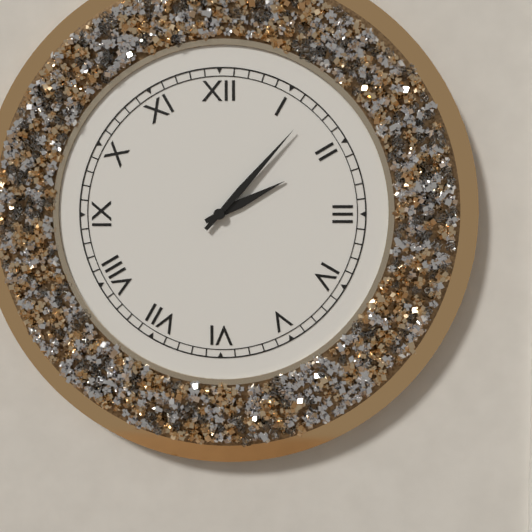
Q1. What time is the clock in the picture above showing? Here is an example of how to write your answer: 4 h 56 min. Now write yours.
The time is 2 h 07 min
